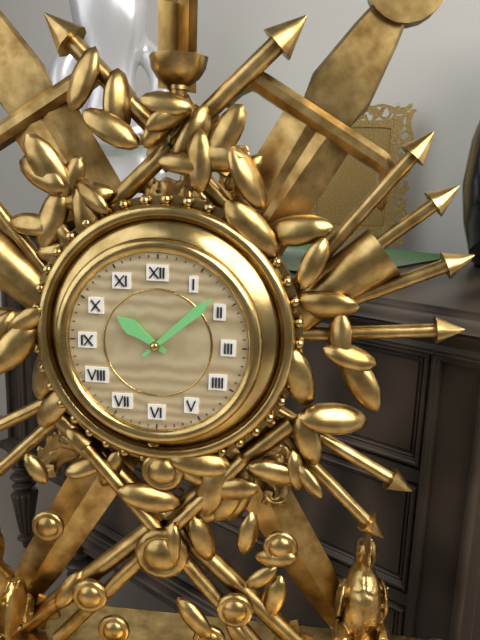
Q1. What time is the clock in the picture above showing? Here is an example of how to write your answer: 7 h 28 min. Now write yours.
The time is 10 h 08 min
